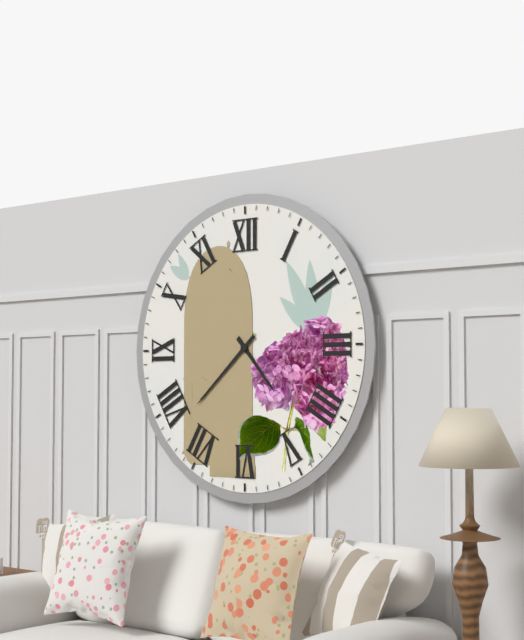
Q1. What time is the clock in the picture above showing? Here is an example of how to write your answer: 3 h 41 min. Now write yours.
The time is 4 h 38 min
